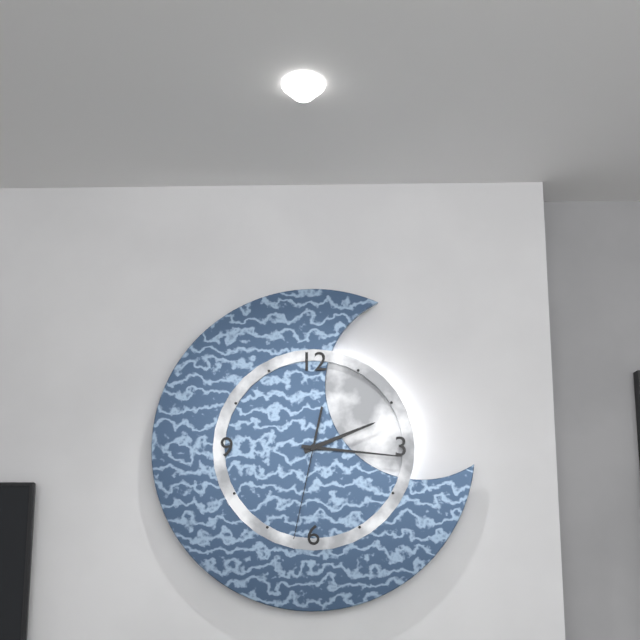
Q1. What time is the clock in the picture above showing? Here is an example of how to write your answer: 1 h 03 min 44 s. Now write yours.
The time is 2 h 16 min 32 s
